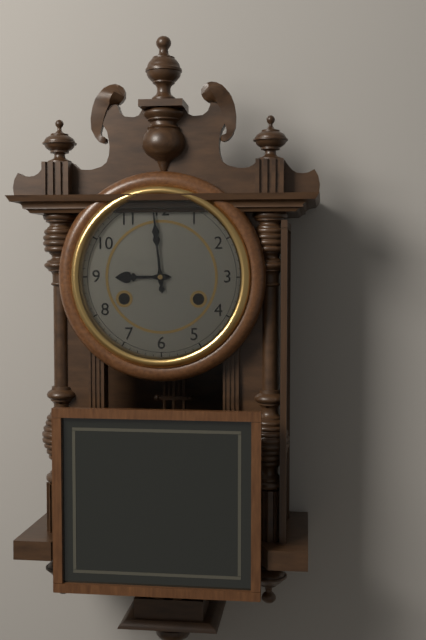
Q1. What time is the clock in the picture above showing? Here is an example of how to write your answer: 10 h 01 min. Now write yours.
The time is 8 h 59 min
